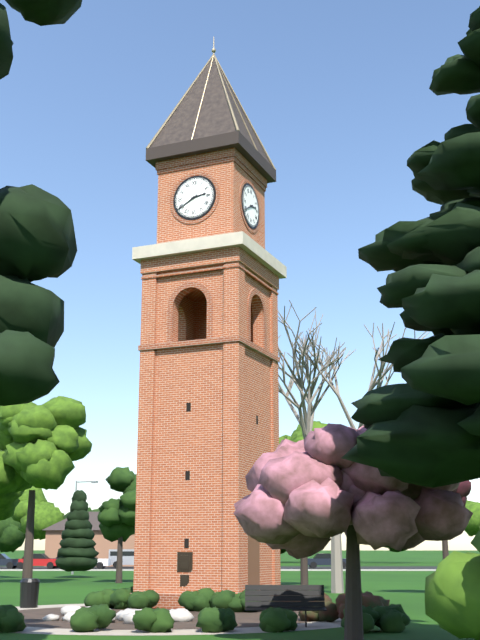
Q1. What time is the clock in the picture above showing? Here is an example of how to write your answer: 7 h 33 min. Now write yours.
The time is 2 h 40 min
